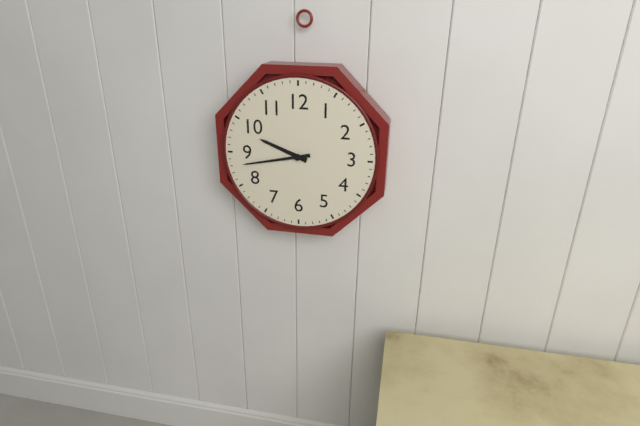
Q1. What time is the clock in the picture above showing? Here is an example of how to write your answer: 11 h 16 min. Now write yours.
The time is 9 h 43 min
